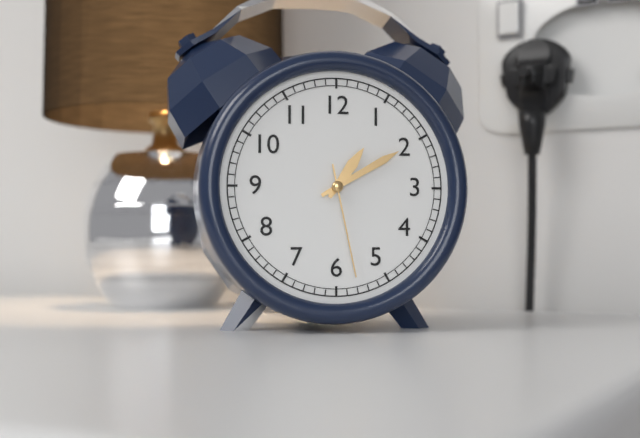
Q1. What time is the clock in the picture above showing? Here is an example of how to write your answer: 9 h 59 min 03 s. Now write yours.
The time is 1 h 10 min 28 s
